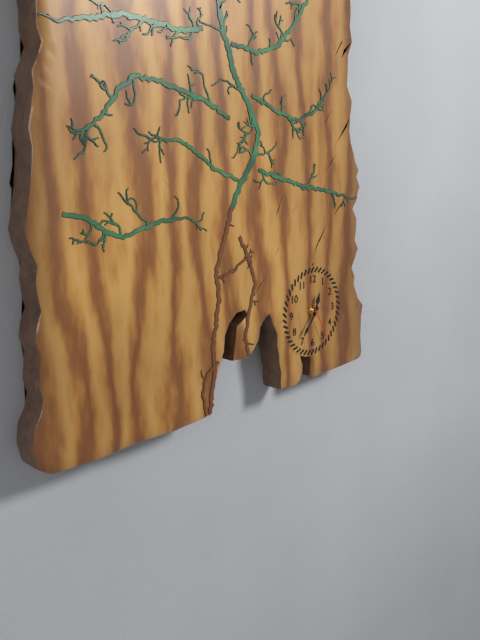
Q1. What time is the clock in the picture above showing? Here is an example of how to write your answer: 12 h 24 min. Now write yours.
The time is 12 h 37 min
